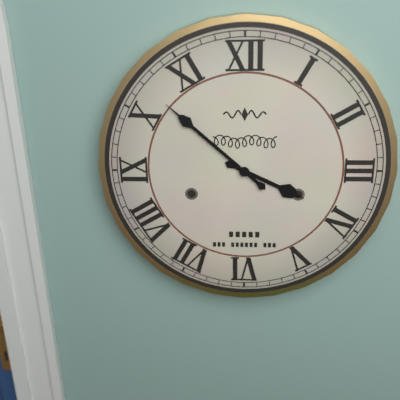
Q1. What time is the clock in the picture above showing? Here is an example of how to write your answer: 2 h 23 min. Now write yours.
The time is 3 h 52 min
